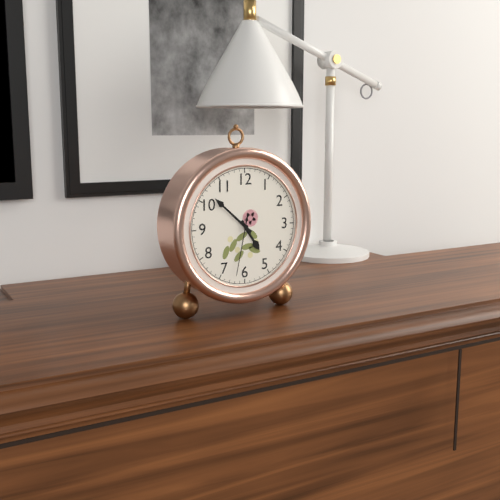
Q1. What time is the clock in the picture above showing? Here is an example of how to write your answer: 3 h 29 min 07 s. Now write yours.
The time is 4 h 52 min 32 s
